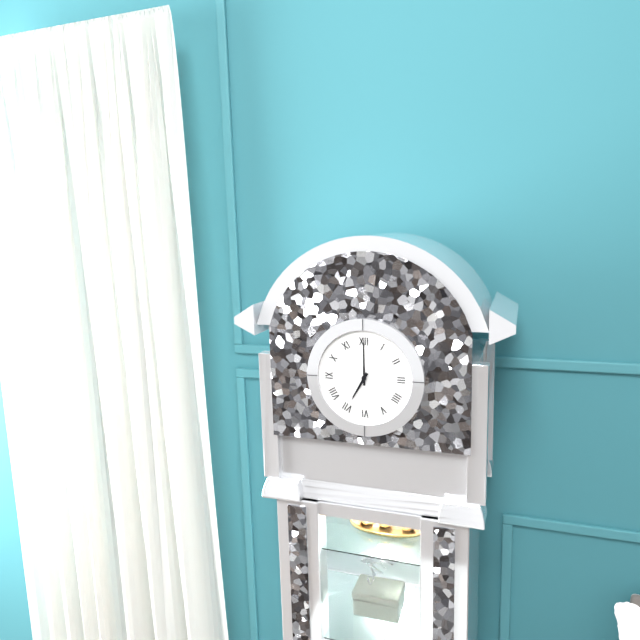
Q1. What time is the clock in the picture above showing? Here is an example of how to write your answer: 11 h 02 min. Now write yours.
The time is 7 h 00 min
